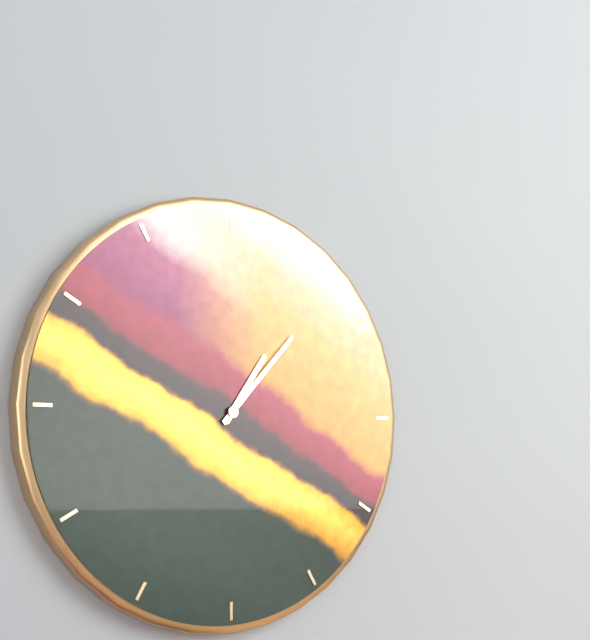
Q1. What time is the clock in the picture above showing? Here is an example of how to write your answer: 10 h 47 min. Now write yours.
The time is 1 h 07 min
